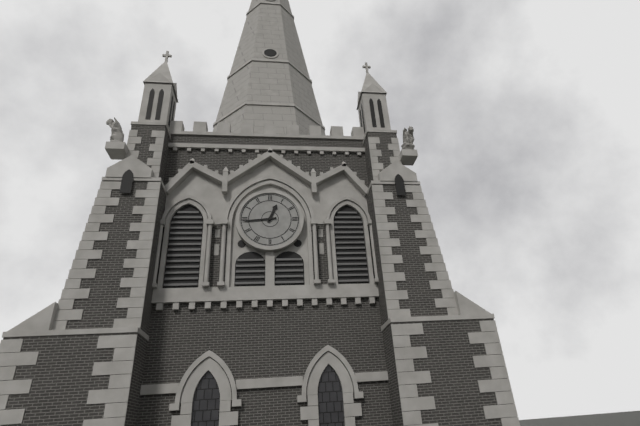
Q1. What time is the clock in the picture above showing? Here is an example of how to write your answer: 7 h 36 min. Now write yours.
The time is 12 h 44 min
